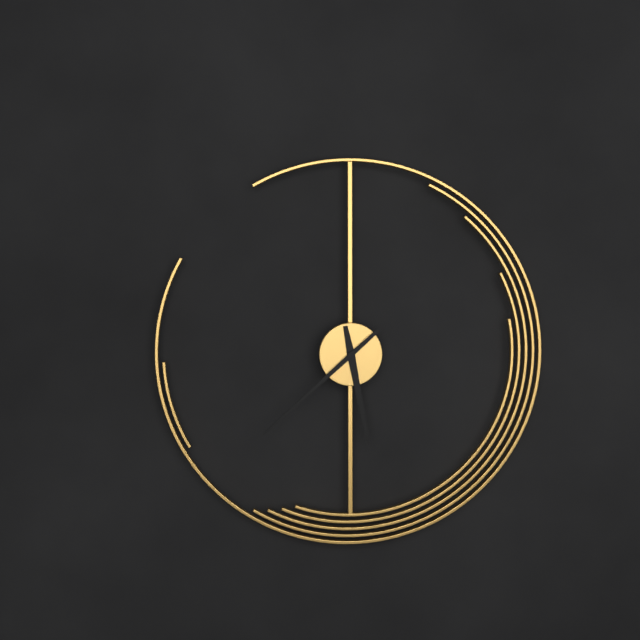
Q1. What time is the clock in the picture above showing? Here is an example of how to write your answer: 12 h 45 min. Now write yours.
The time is 5 h 38 min
